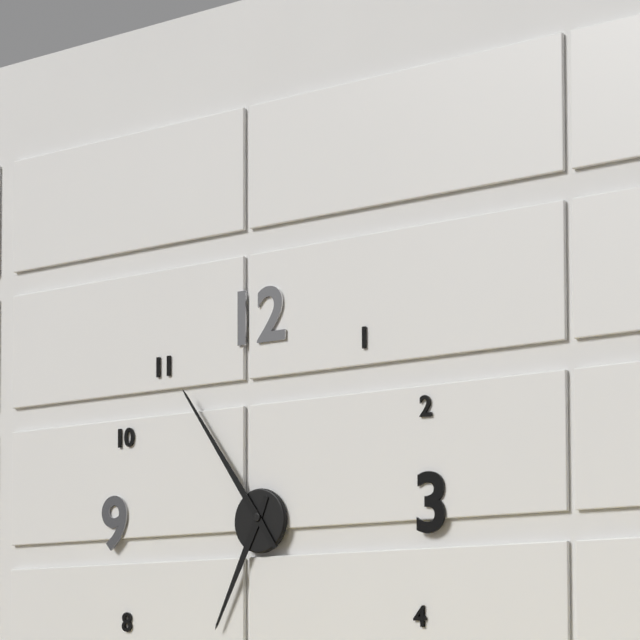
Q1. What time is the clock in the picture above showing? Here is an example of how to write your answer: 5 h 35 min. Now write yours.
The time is 6 h 54 min
